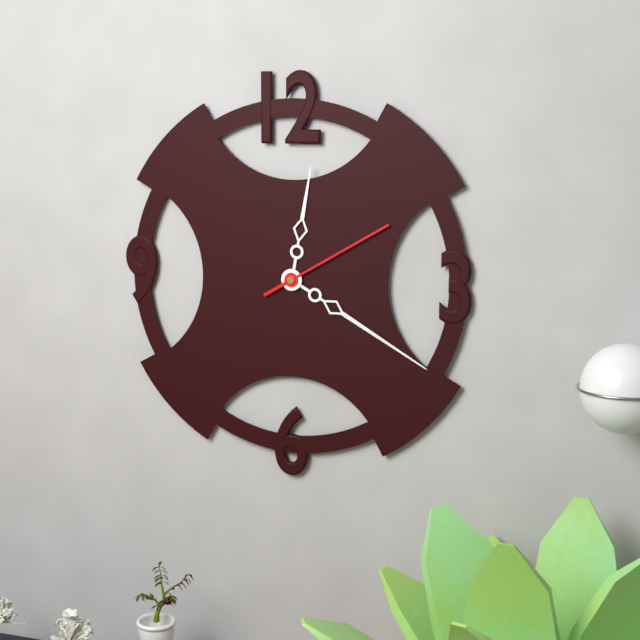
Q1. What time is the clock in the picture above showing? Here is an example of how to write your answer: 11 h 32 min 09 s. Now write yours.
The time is 12 h 20 min 10 s
